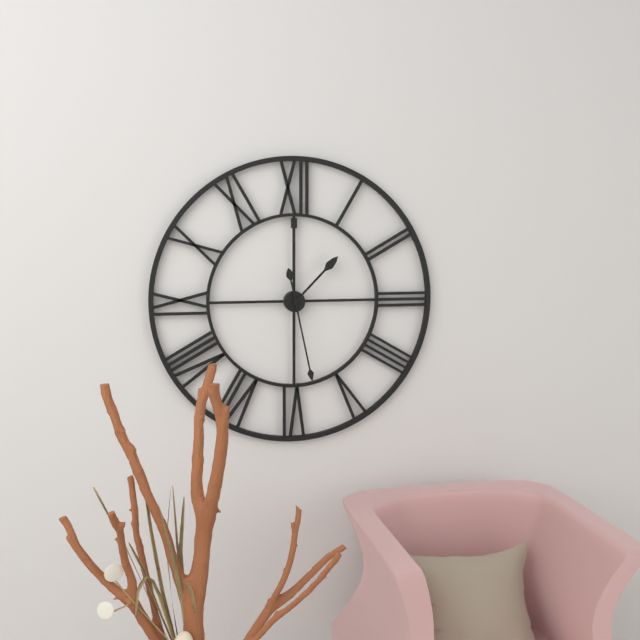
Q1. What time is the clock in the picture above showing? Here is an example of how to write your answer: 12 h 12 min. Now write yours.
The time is 1 h 28 min
